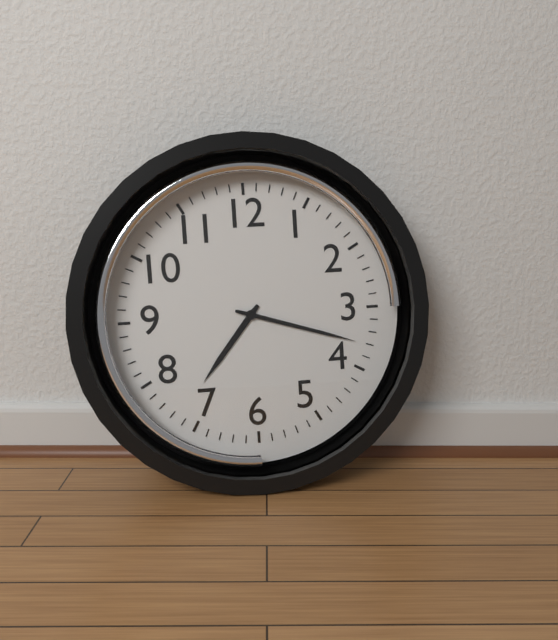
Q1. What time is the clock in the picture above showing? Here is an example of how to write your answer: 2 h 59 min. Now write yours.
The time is 7 h 18 min
